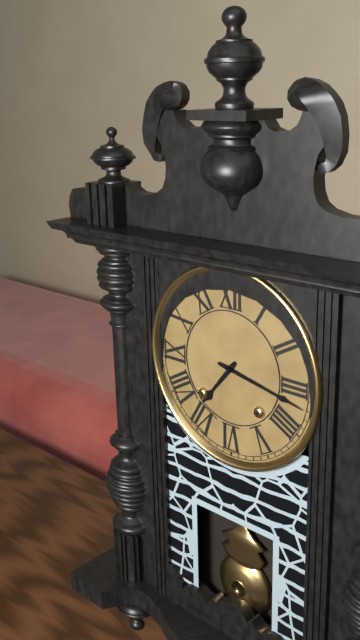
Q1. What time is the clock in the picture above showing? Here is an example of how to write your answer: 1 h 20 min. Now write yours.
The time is 7 h 17 min
